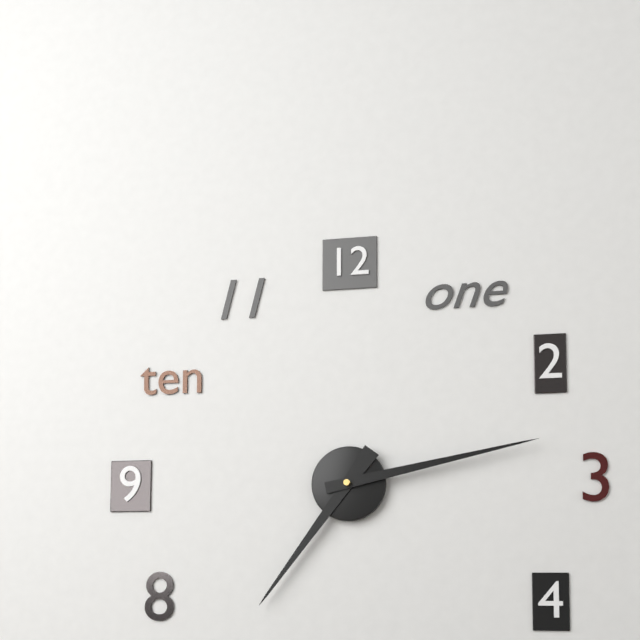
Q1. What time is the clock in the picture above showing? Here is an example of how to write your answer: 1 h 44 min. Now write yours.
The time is 7 h 13 min
